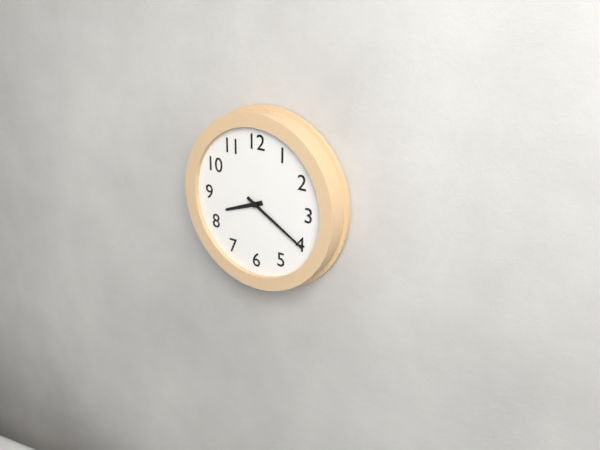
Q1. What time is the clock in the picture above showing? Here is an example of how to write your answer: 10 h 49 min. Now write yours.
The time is 8 h 20 min
